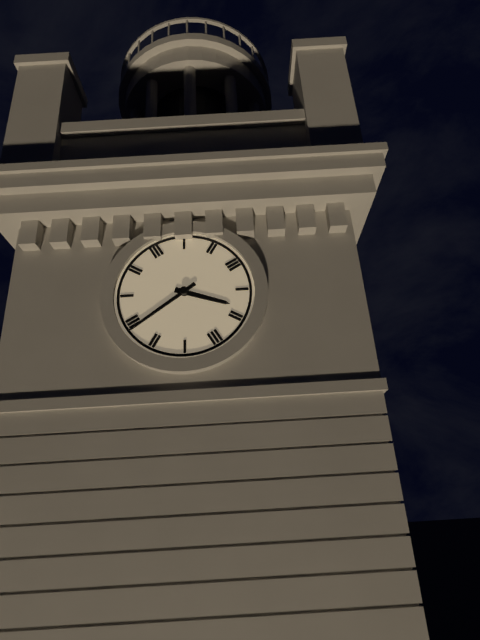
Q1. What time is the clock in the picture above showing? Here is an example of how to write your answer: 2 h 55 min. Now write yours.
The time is 3 h 39 min
